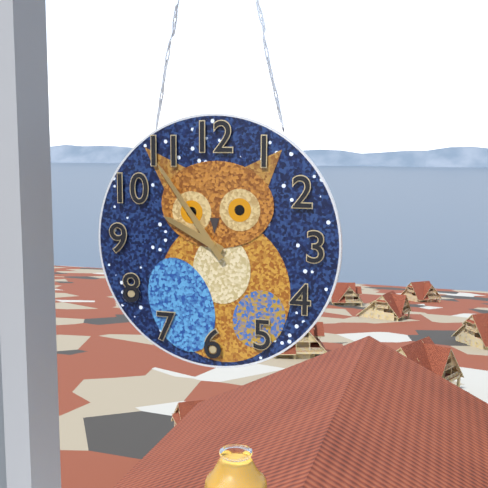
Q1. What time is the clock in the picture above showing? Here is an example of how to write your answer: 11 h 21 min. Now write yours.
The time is 9 h 54 min
